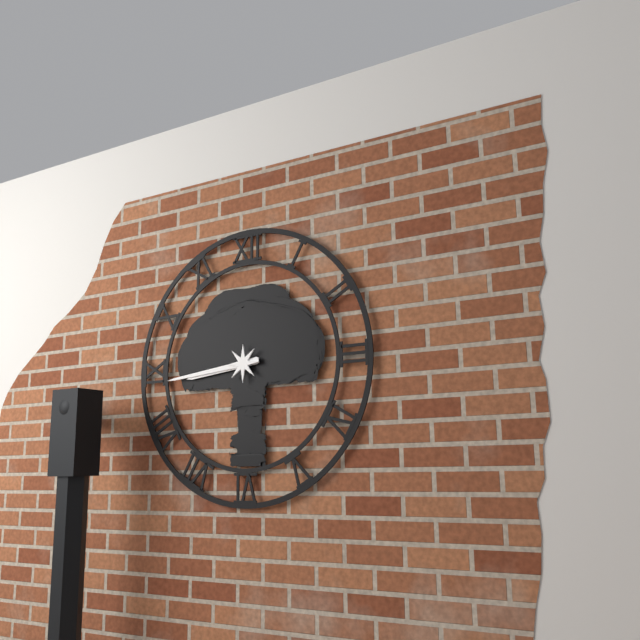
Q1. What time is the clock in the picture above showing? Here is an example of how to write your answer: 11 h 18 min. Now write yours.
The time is 8 h 44 min
